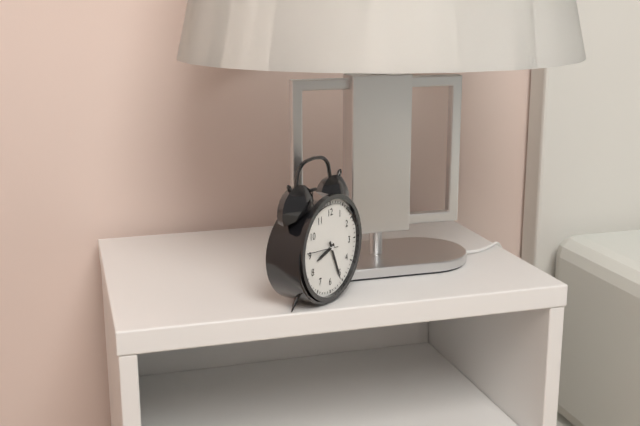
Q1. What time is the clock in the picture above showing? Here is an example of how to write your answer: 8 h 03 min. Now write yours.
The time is 8 h 26 min
